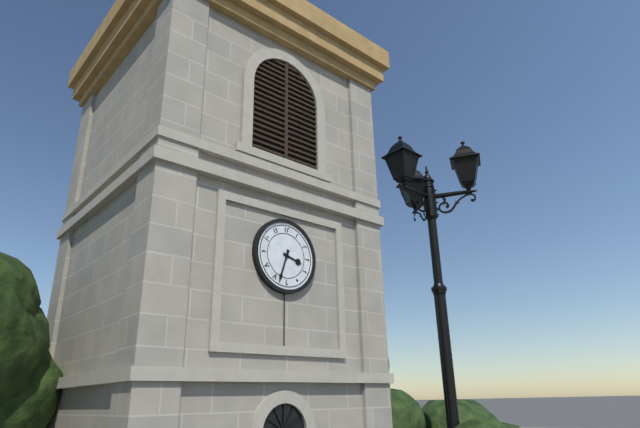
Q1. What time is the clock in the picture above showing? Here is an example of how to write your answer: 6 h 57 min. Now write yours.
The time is 3 h 33 min
